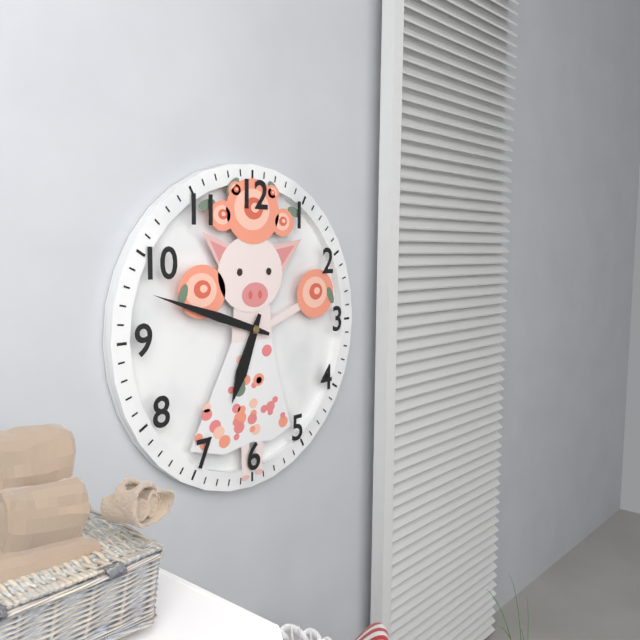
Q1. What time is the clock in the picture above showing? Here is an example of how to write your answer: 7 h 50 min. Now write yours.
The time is 6 h 48 min
